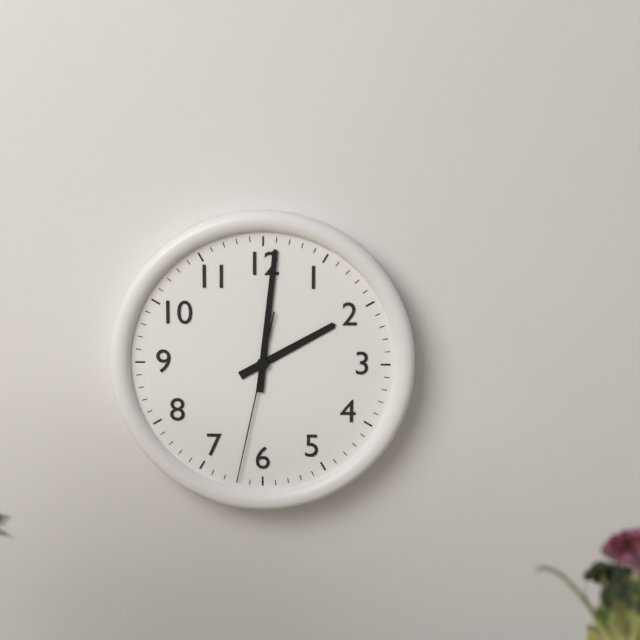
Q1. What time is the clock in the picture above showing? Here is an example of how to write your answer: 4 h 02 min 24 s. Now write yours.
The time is 2 h 01 min 32 s
